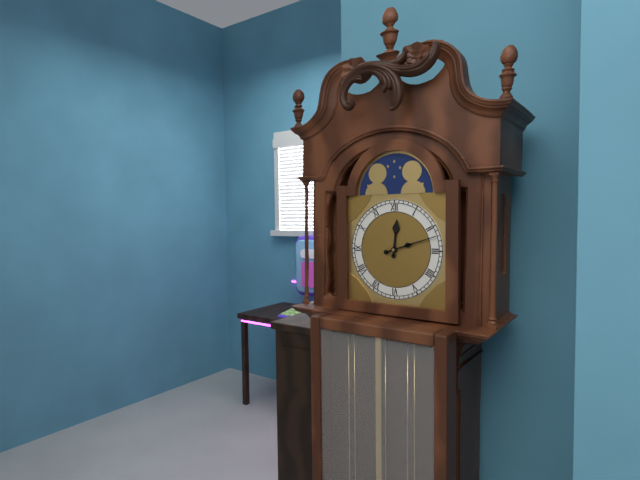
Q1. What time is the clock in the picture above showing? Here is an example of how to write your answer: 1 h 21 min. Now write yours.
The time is 12 h 12 min
